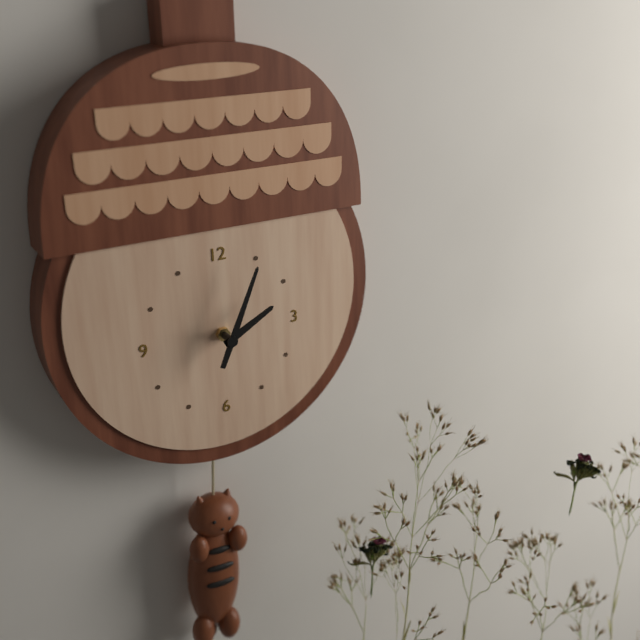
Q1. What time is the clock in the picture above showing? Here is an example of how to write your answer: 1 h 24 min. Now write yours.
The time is 2 h 04 min
